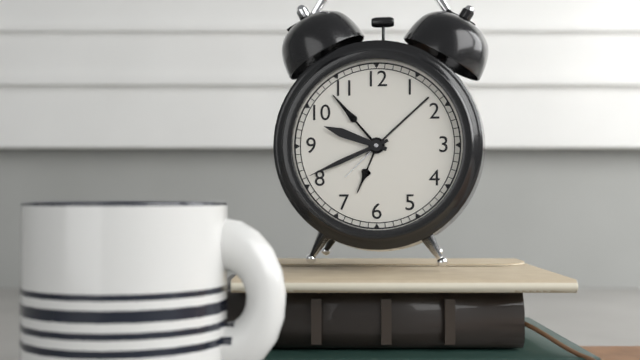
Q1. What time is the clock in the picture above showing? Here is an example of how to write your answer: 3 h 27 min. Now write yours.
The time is 9 h 41 min
